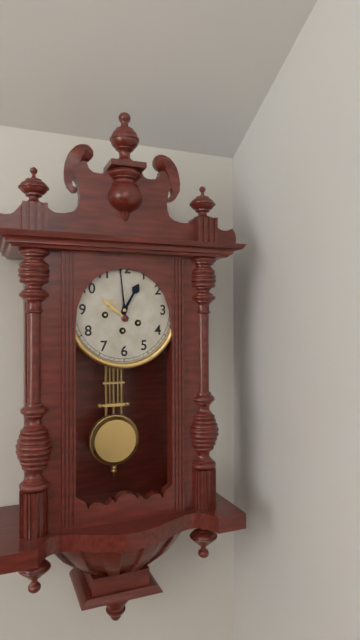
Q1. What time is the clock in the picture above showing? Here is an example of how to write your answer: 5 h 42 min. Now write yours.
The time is 12 h 59 min
